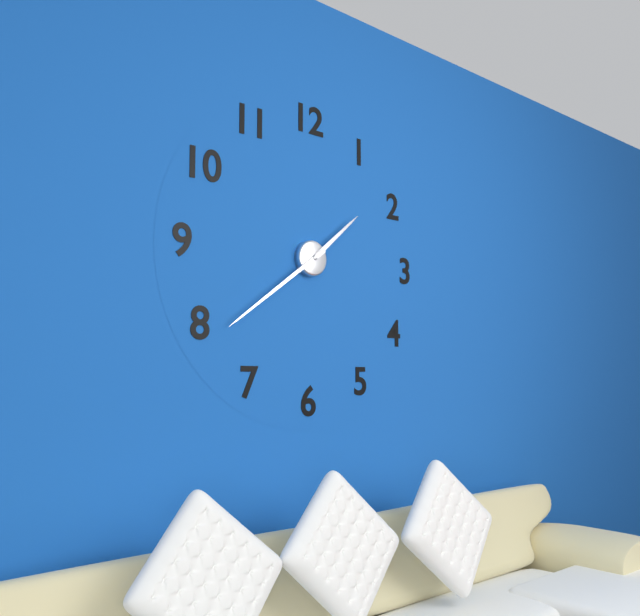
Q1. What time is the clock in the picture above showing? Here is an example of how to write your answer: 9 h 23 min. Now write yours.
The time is 1 h 39 min
